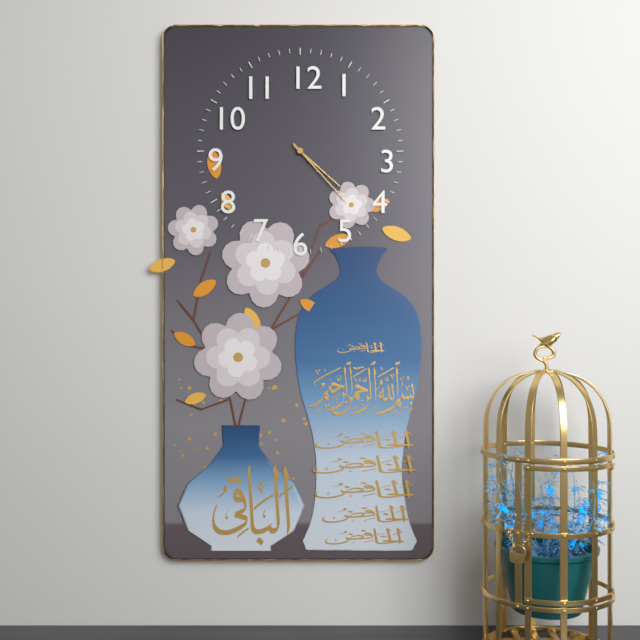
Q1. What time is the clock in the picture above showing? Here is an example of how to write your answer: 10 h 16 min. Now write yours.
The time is 4 h 23 min
